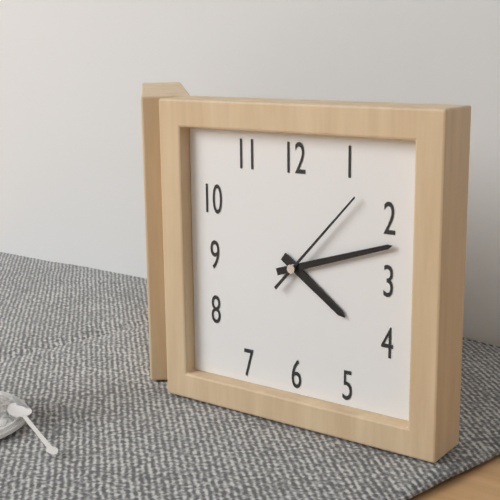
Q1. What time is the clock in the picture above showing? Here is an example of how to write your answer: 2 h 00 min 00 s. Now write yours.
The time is 4 h 12 min 07 s
